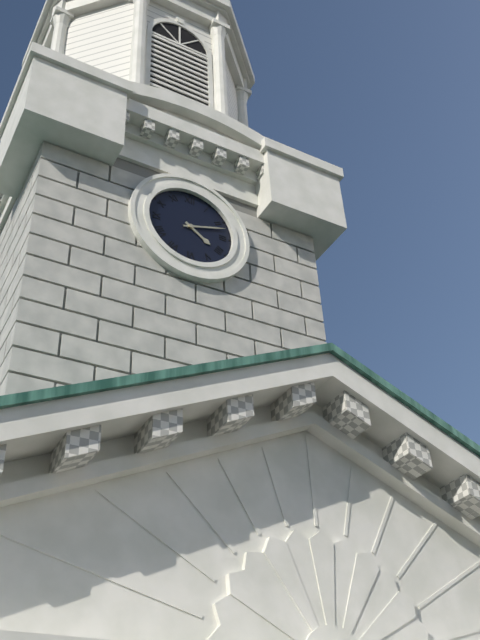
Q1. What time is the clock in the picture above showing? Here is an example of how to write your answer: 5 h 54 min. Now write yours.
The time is 4 h 12 min
